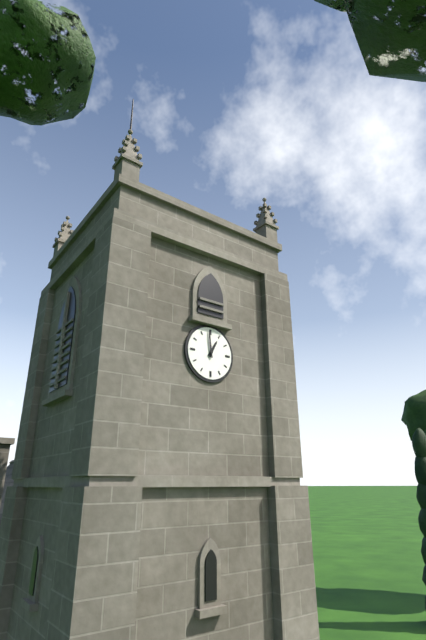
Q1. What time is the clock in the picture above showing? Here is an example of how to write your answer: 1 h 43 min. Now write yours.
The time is 12 h 59 min
